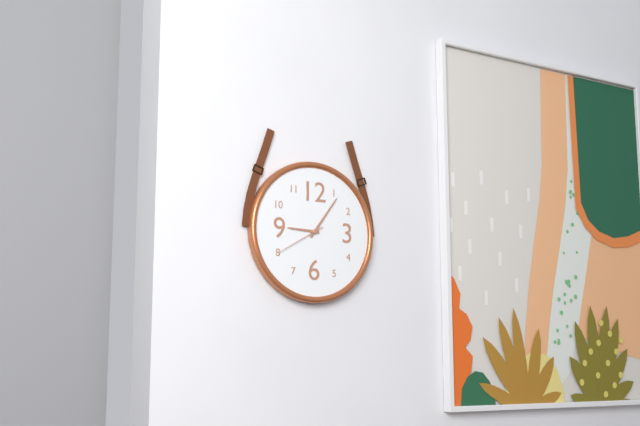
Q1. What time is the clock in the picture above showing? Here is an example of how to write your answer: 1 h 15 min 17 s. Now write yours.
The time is 9 h 06 min 40 s
